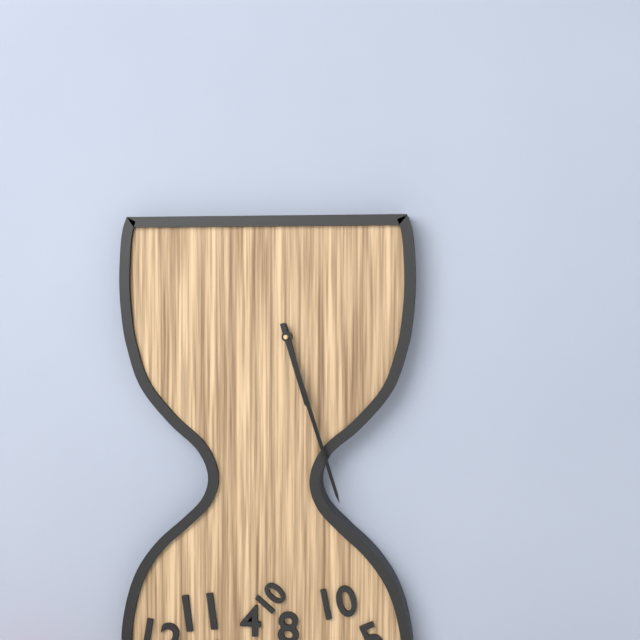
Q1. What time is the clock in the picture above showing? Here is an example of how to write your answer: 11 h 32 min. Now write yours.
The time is 5 h 27 min
